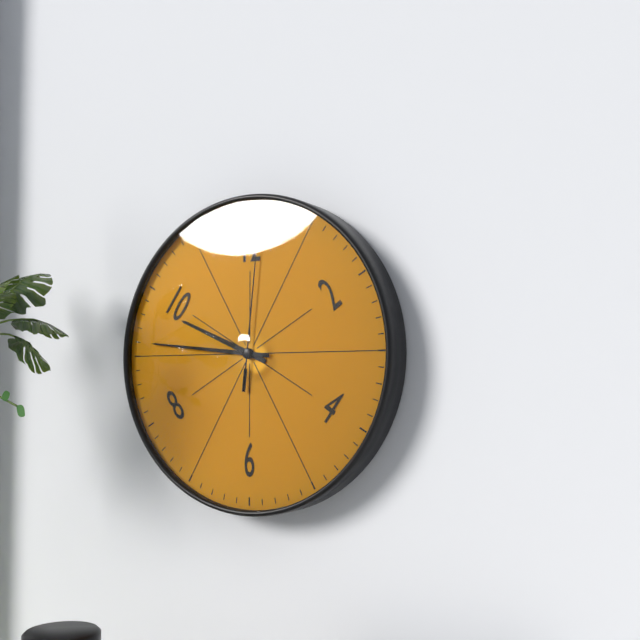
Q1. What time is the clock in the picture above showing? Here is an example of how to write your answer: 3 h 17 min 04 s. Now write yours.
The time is 9 h 46 min 01 s
